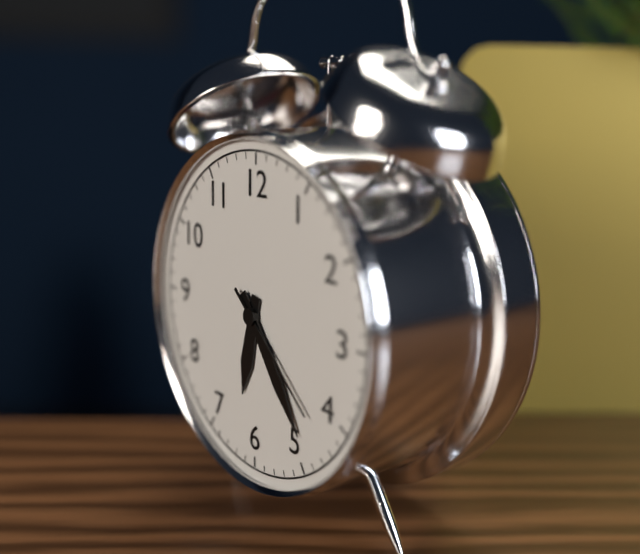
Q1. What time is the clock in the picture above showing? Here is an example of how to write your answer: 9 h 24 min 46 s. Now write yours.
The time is 6 h 24 min 22 s
